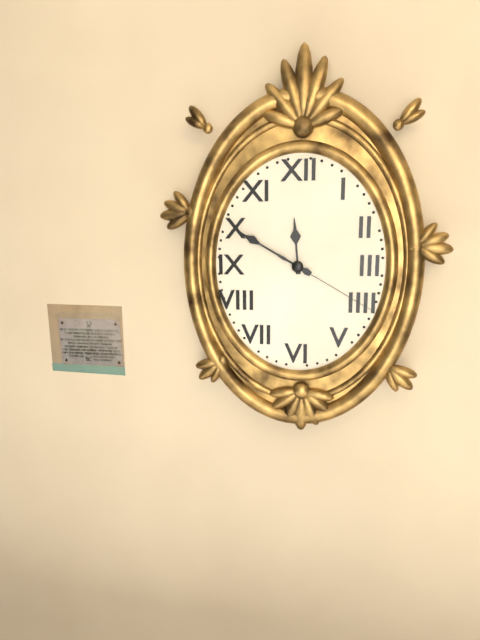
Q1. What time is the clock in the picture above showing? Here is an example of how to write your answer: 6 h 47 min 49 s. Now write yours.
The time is 11 h 50 min 20 s
